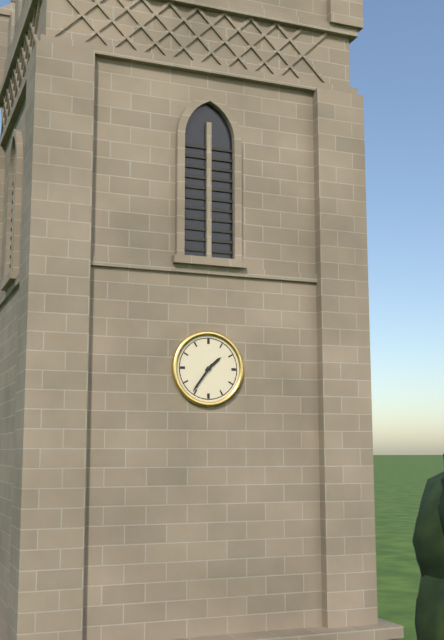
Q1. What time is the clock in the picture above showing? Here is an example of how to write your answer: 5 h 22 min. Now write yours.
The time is 1 h 36 min
